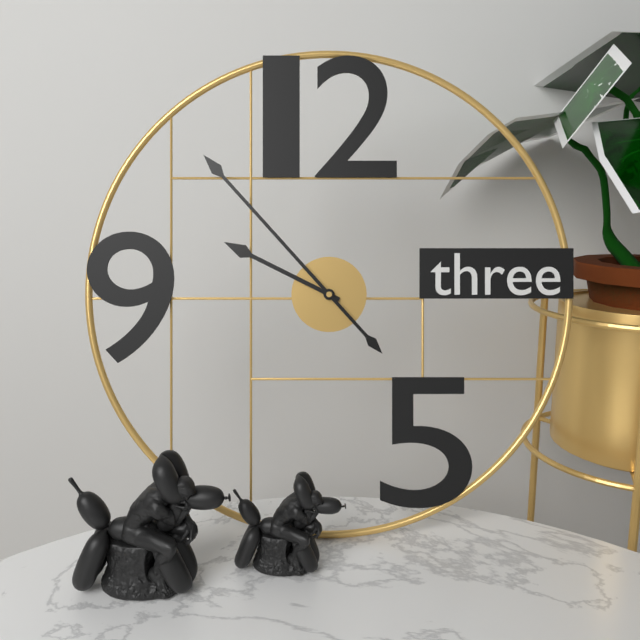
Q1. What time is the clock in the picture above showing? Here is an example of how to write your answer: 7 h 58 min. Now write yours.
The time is 9 h 53 min
